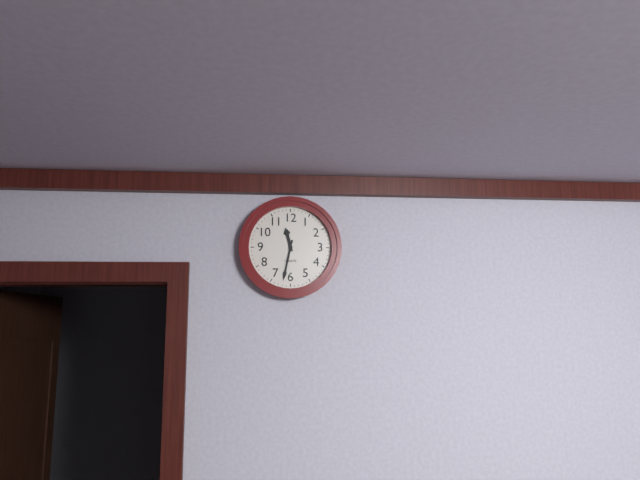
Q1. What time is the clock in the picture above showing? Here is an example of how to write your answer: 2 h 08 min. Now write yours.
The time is 11 h 32 min
